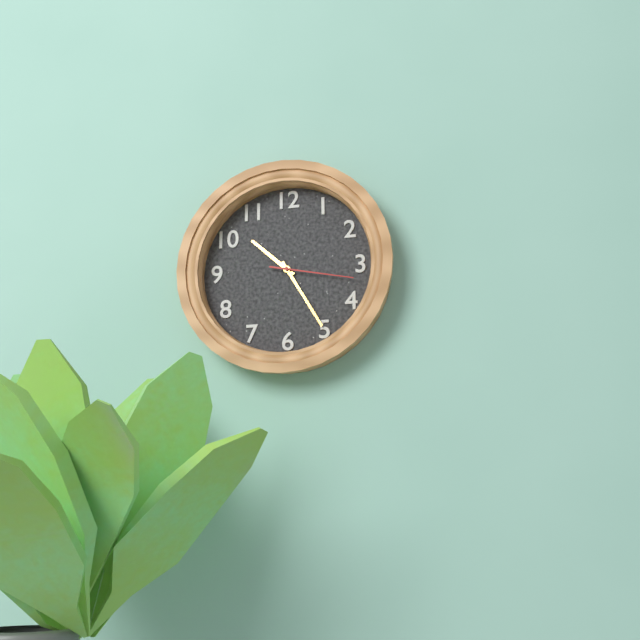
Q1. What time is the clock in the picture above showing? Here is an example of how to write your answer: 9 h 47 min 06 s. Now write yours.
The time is 10 h 25 min 17 s
